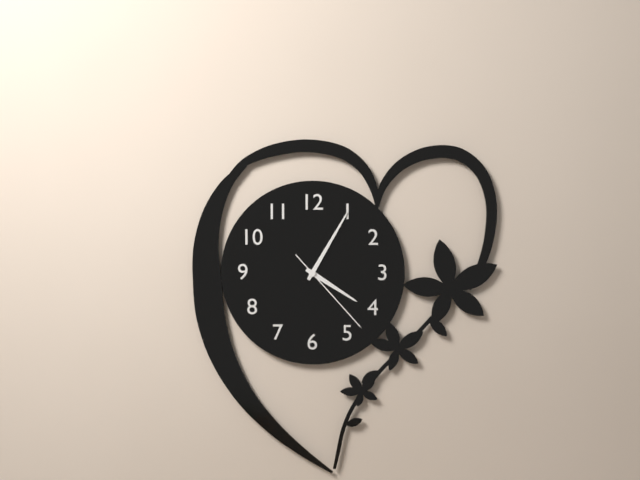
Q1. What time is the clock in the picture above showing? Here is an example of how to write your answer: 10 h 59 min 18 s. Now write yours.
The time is 4 h 05 min 23 s
